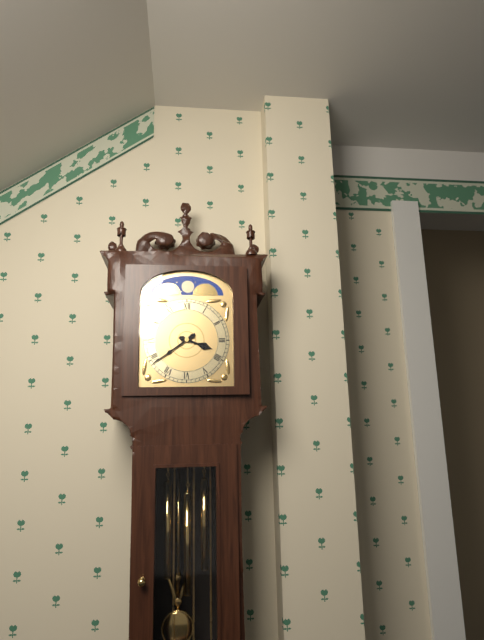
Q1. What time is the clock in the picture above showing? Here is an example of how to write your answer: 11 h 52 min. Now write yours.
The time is 3 h 39 min
